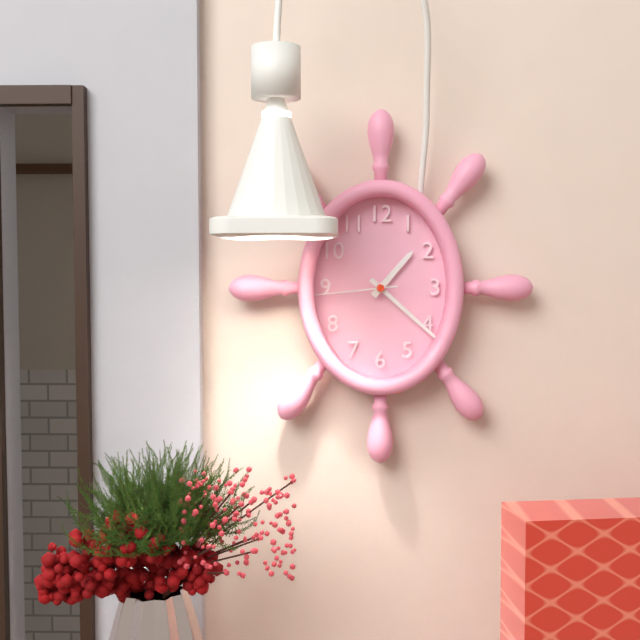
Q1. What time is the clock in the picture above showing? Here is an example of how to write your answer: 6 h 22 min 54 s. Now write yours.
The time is 1 h 22 min 44 s
